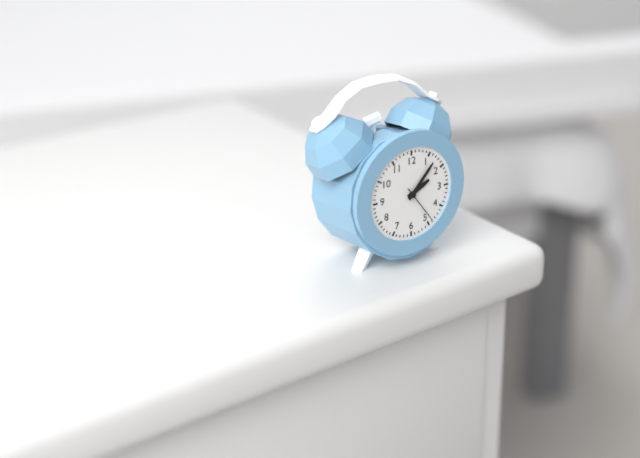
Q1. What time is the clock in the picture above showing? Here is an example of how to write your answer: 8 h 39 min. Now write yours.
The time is 2 h 07 min
